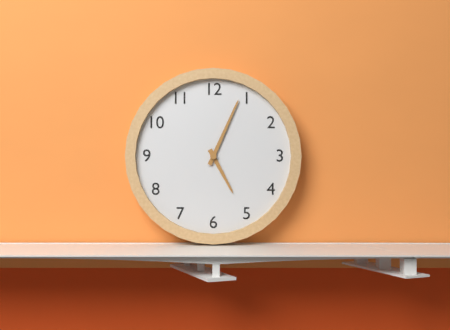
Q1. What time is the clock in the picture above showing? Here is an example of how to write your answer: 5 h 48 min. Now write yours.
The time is 5 h 04 min
